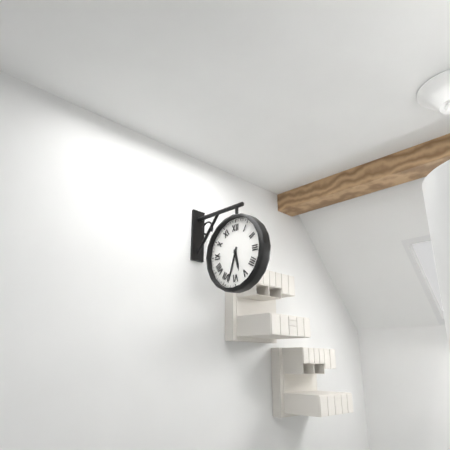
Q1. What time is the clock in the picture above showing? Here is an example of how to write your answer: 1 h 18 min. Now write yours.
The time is 5 h 33 min
